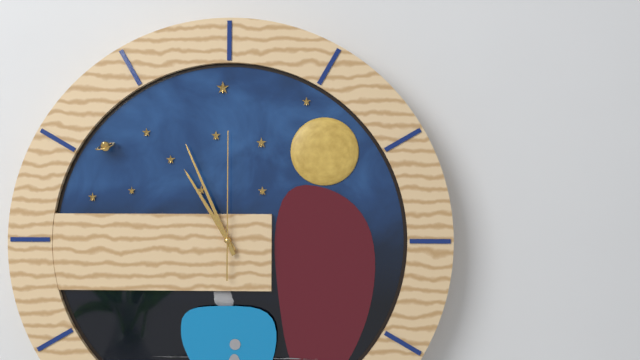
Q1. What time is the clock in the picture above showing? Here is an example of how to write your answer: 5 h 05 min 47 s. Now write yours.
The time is 10 h 56 min 00 s
